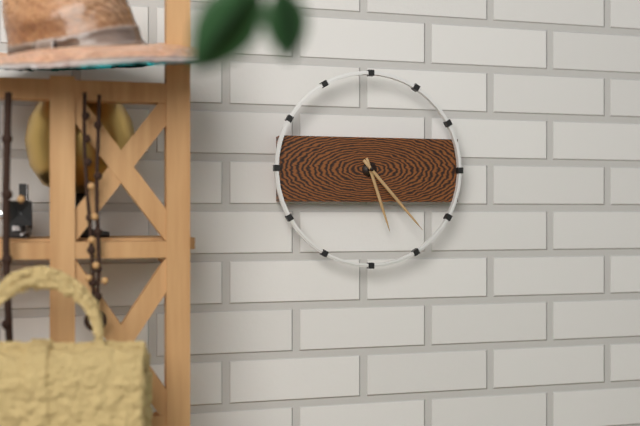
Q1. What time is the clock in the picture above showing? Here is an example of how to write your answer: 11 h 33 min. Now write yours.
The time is 5 h 23 min
